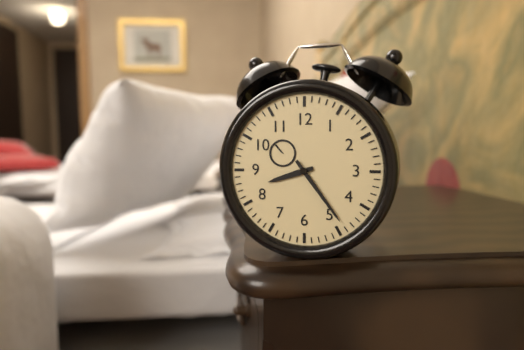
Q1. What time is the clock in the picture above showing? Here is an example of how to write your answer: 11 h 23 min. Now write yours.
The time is 8 h 24 min
